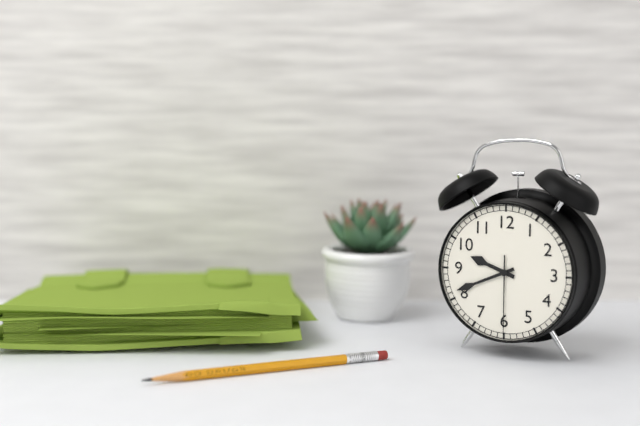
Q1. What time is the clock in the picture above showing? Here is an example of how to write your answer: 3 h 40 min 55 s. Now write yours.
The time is 9 h 41 min 30 s
